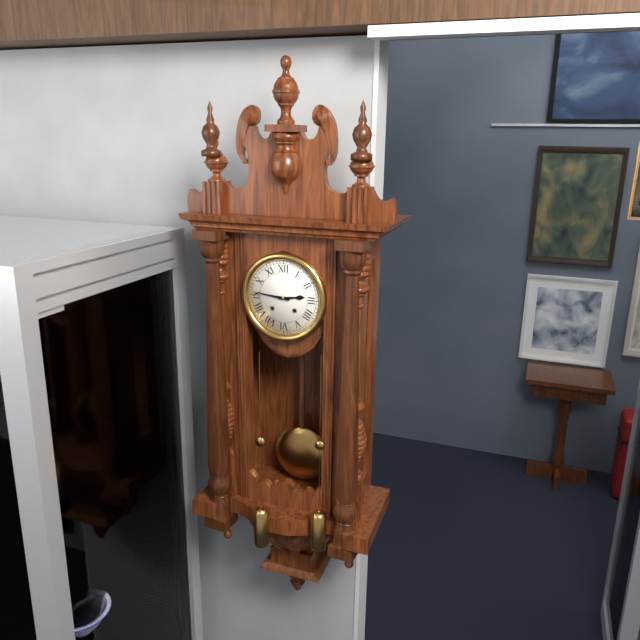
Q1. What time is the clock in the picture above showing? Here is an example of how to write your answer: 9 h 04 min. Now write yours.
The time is 2 h 46 min
